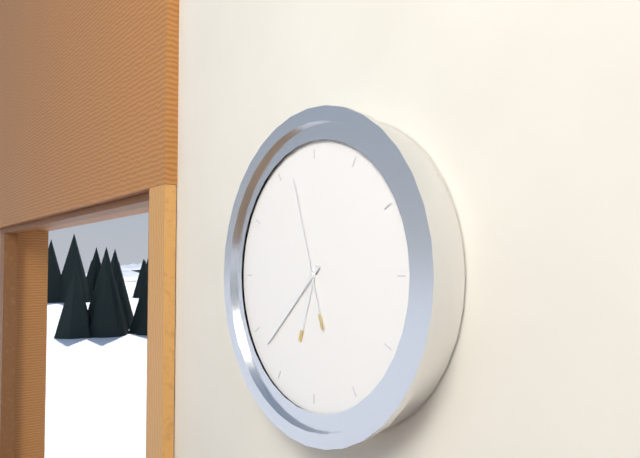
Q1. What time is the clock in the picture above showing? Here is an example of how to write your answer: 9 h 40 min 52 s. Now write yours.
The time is 6 h 38 min 57 s
